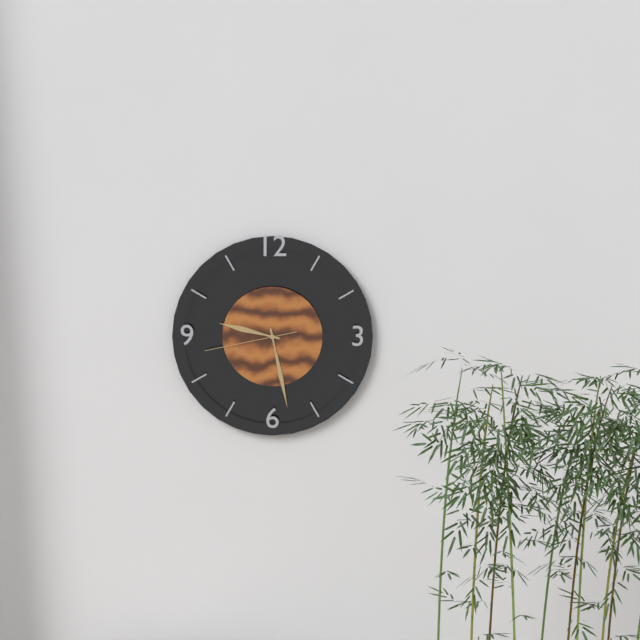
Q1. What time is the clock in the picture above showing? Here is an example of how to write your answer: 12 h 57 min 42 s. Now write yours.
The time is 9 h 28 min 43 s
